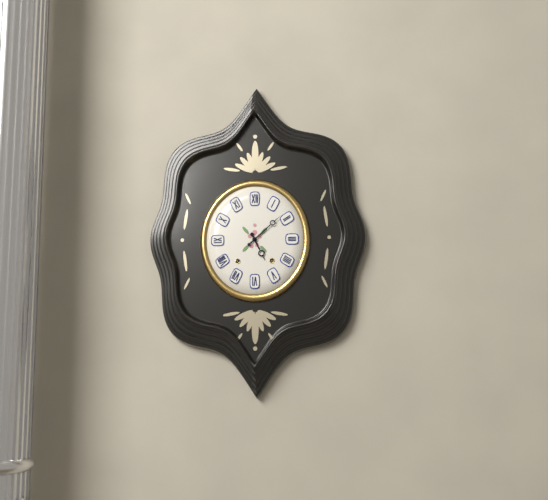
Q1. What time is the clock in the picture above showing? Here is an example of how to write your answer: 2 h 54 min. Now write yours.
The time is 5 h 08 min
